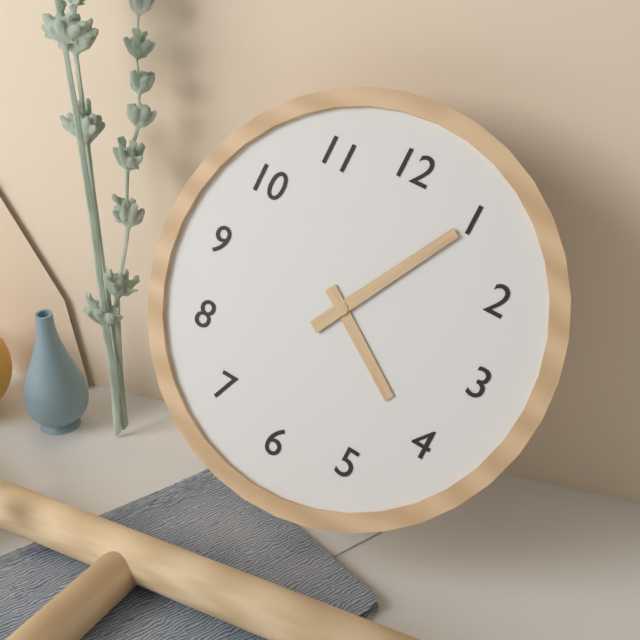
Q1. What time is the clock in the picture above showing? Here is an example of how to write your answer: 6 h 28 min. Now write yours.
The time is 4 h 05 min
